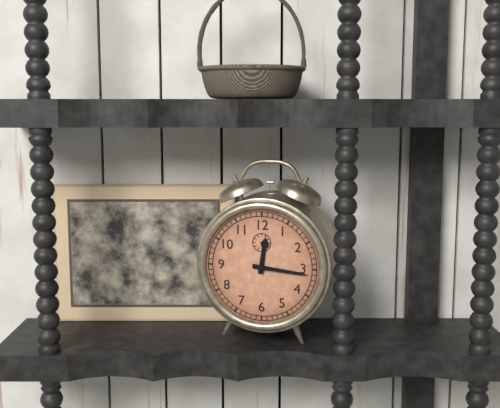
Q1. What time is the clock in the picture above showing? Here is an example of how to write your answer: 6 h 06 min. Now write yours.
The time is 12 h 16 min
